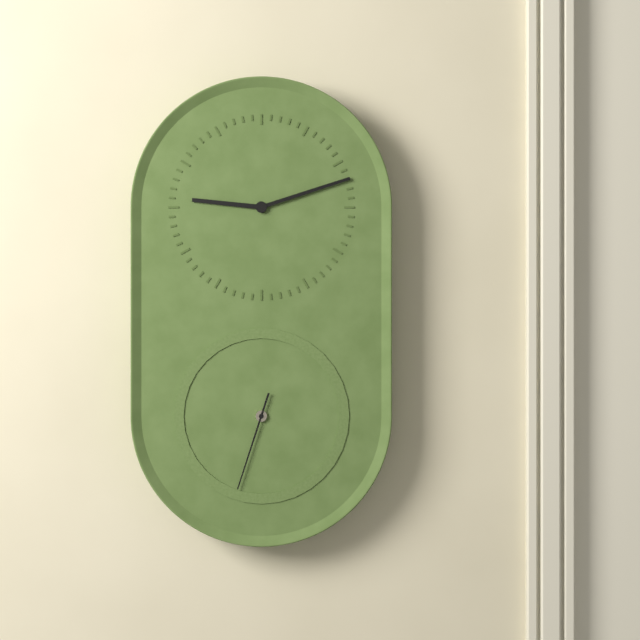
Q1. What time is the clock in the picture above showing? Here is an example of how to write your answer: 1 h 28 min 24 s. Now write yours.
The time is 9 h 12 min 33 s
